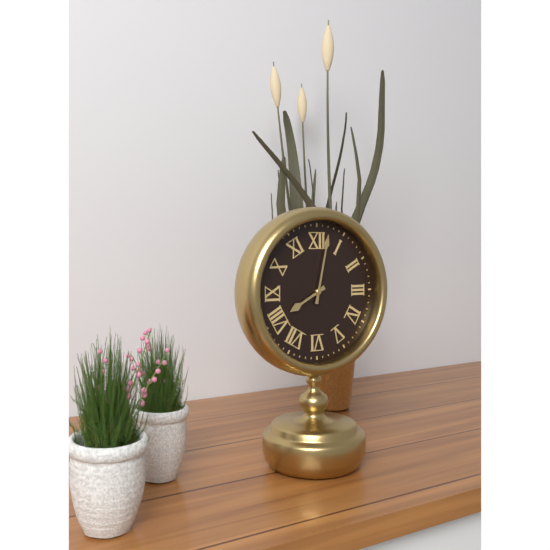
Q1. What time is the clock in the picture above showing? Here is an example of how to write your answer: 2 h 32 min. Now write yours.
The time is 8 h 02 min
